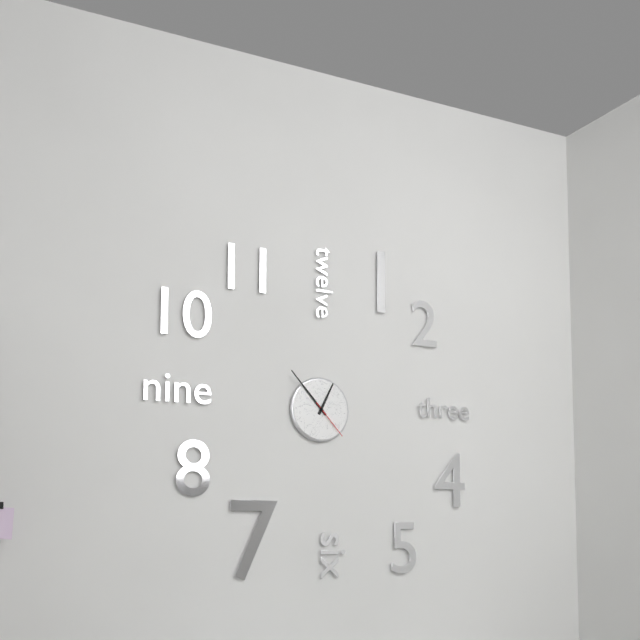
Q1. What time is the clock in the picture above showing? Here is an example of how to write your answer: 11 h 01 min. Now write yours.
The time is 12 h 53 min
